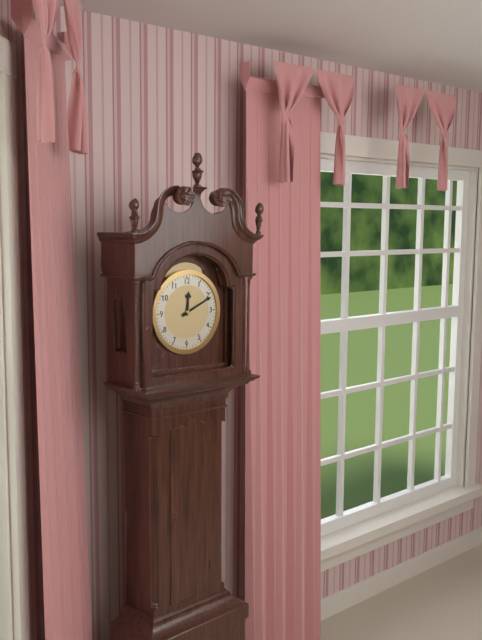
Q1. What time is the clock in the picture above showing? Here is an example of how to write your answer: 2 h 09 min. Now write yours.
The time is 12 h 11 min
